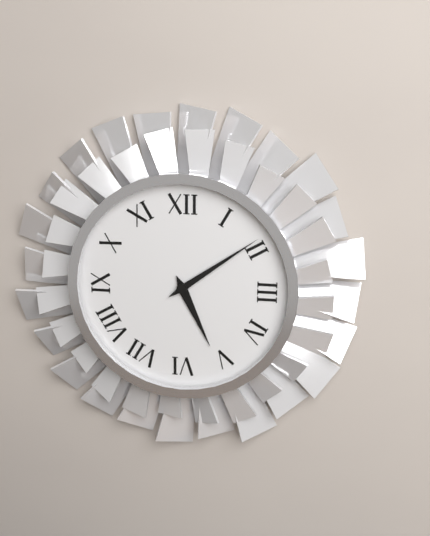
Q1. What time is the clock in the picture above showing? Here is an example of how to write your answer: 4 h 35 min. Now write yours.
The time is 5 h 09 min
